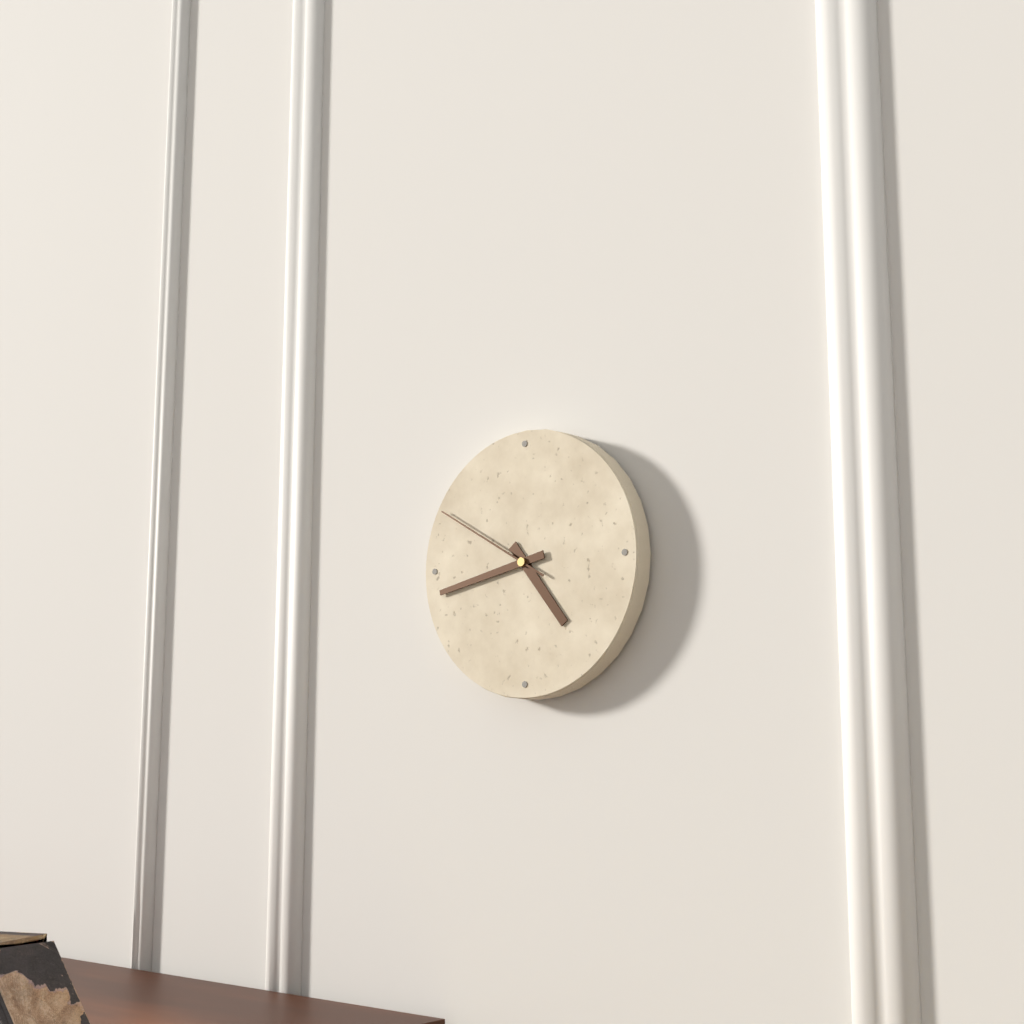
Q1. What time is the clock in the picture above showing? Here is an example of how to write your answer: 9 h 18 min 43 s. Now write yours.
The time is 4 h 43 min 50 s
